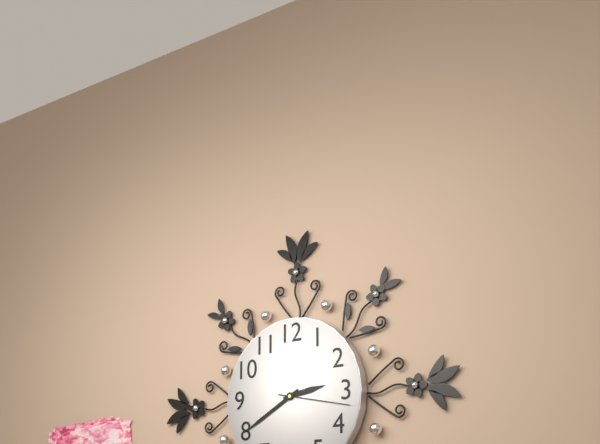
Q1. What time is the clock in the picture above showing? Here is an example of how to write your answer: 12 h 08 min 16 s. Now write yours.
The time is 2 h 40 min 17 s
